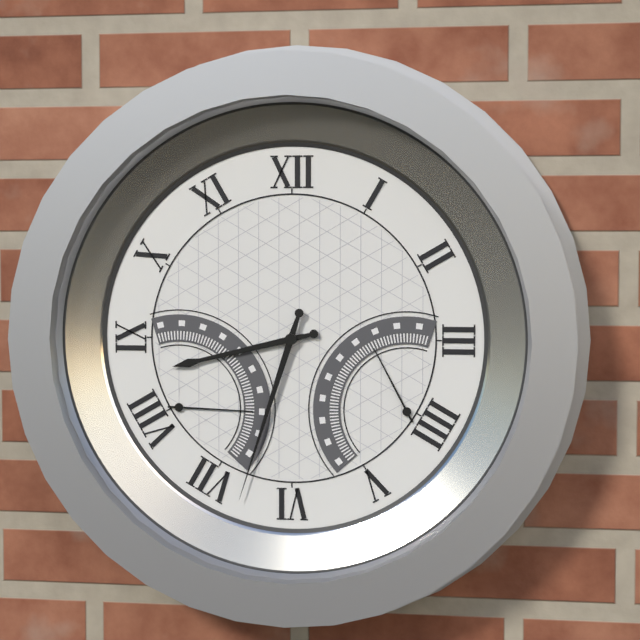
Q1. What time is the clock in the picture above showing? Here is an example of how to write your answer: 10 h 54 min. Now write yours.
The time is 8 h 33 min
